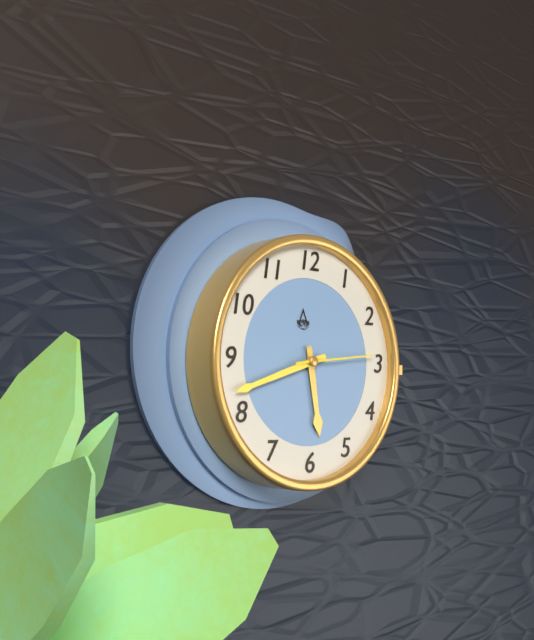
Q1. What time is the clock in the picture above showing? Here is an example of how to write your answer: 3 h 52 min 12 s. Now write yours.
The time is 5 h 42 min 14 s
